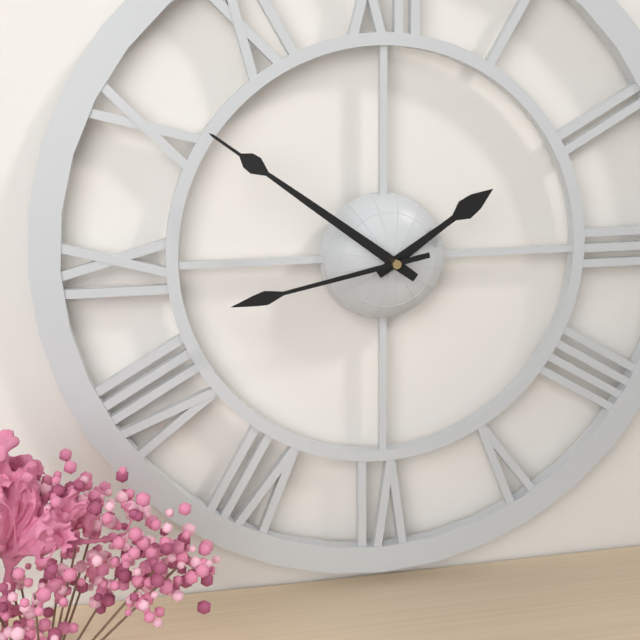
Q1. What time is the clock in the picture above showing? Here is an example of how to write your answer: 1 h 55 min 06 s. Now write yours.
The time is 1 h 51 min 43 s
